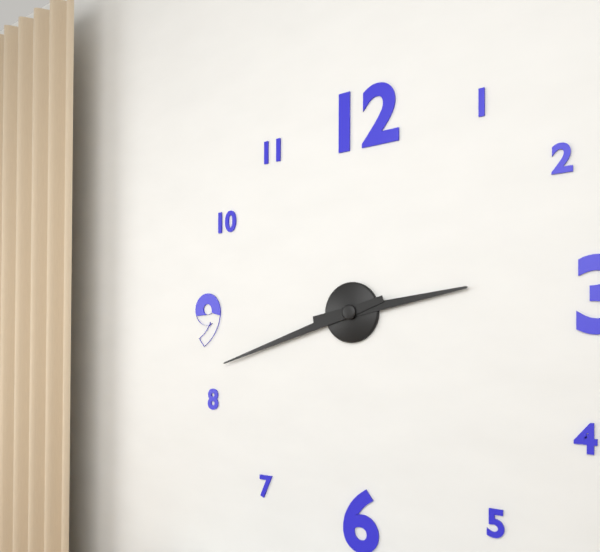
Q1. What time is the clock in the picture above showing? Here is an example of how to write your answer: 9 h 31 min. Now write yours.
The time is 2 h 42 min
